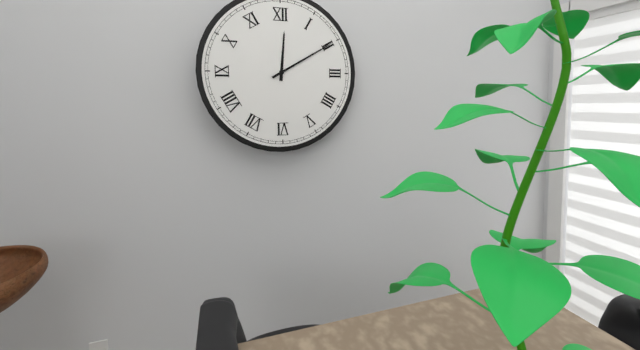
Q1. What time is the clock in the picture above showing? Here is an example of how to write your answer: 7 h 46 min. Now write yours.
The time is 12 h 10 min
